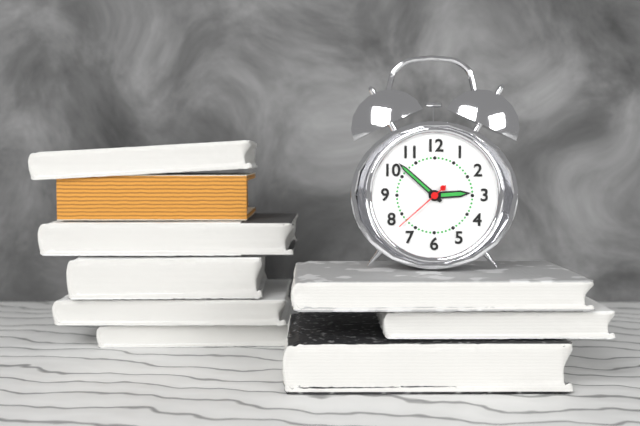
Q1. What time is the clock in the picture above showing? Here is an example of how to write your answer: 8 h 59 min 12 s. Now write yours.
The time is 2 h 52 min 38 s
